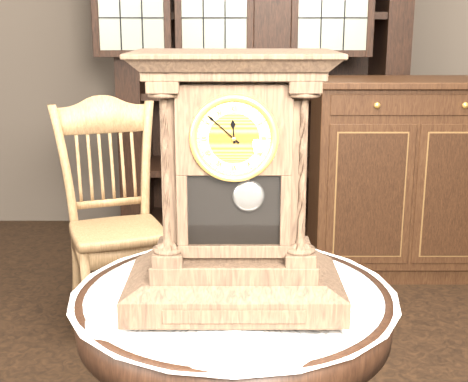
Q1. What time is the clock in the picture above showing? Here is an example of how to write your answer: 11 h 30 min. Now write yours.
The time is 11 h 52 min
